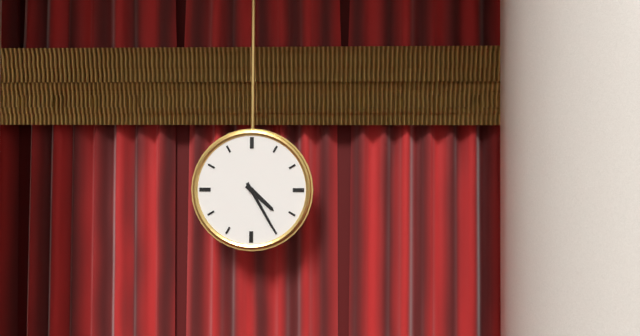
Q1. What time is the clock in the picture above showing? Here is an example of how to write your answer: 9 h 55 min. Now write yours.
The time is 4 h 25 min
